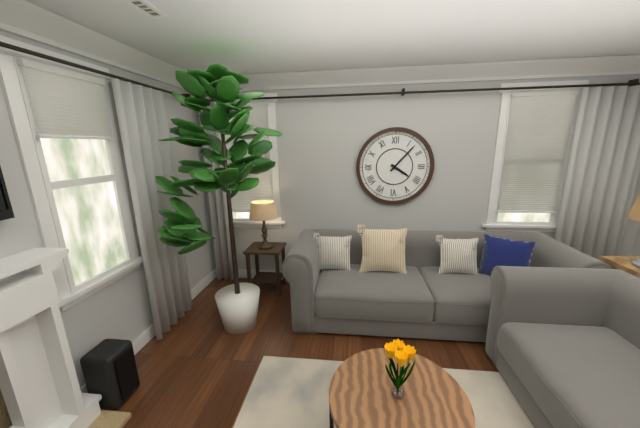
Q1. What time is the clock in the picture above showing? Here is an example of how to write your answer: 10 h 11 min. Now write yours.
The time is 4 h 07 min
